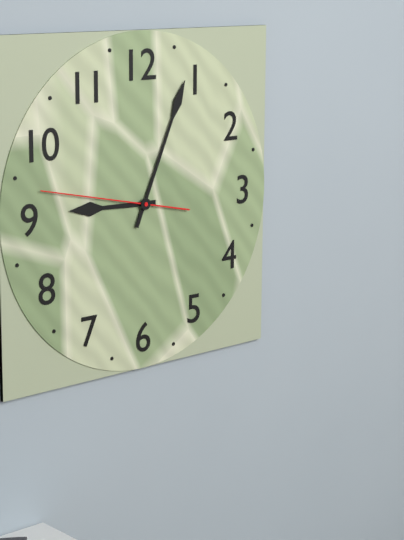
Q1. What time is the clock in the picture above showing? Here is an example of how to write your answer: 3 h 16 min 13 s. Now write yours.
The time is 9 h 04 min 47 s
